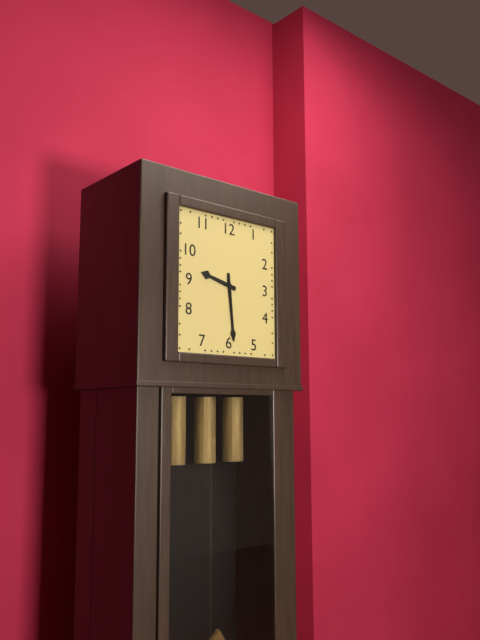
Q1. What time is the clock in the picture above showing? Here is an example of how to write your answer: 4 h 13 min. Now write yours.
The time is 9 h 29 min
